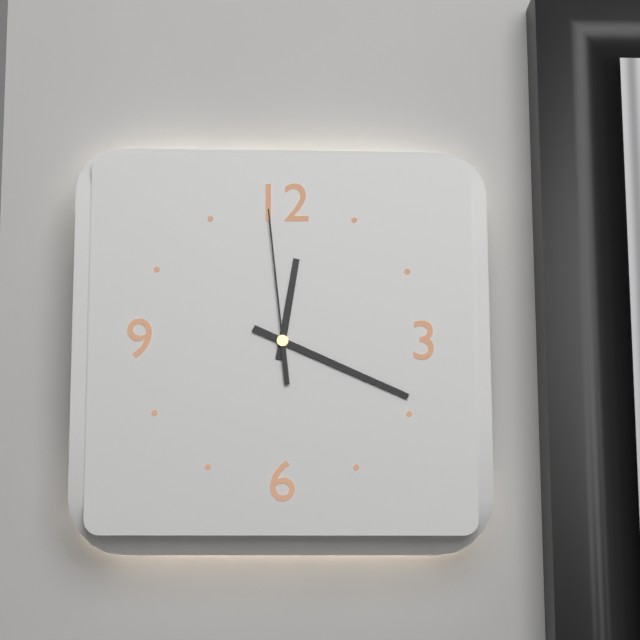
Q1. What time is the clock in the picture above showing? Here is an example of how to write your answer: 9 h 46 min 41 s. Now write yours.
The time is 12 h 19 min 59 s
